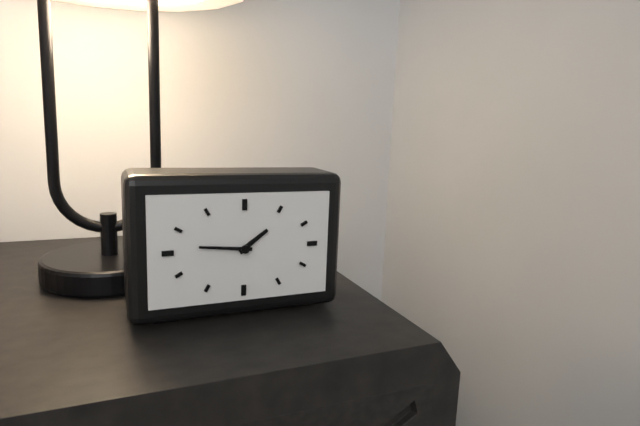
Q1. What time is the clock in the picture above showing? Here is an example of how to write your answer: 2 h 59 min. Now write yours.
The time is 1 h 46 min
